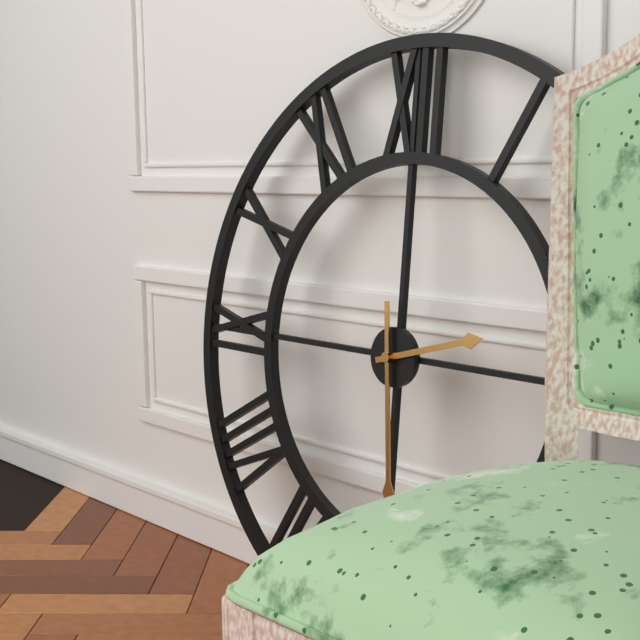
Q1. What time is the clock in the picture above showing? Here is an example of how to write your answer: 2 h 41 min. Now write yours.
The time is 2 h 29 min
